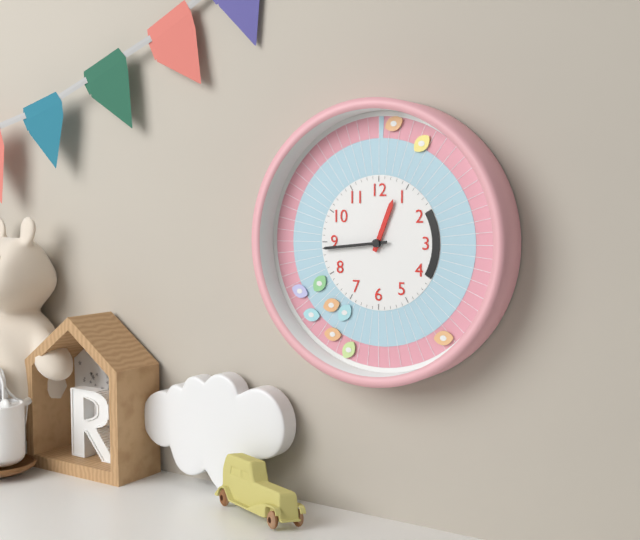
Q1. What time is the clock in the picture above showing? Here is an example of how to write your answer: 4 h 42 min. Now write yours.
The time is 12 h 44 min
